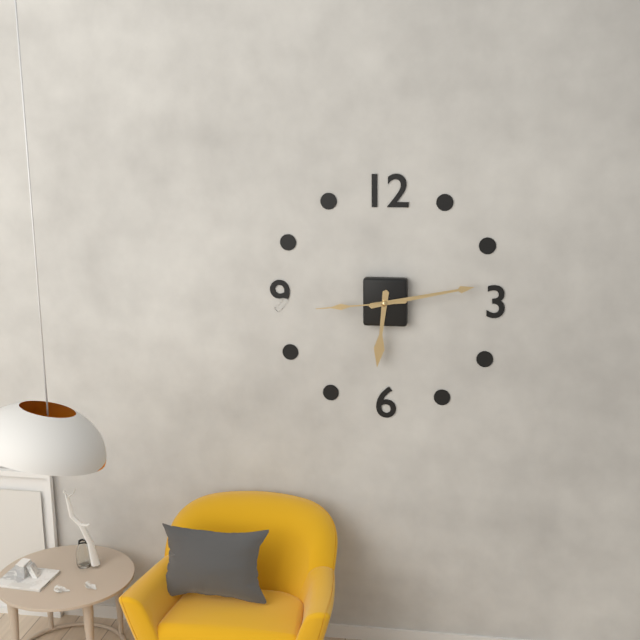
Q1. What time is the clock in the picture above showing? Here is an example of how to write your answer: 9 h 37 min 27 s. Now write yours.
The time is 6 h 13 min 44 s
